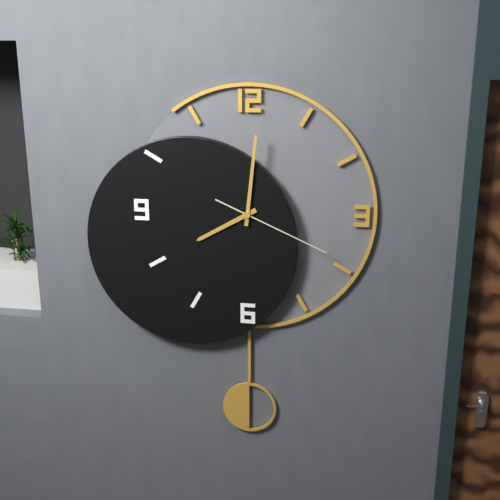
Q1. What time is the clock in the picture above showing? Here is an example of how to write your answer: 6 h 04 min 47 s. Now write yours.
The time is 8 h 01 min 19 s
